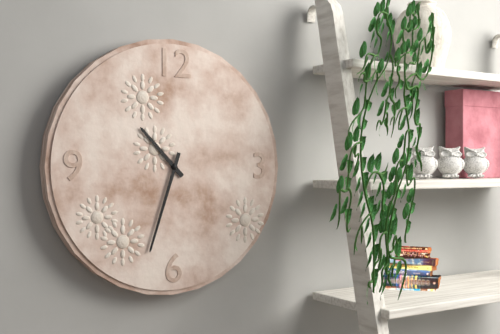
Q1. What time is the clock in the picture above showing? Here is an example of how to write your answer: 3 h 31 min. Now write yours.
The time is 10 h 33 min
